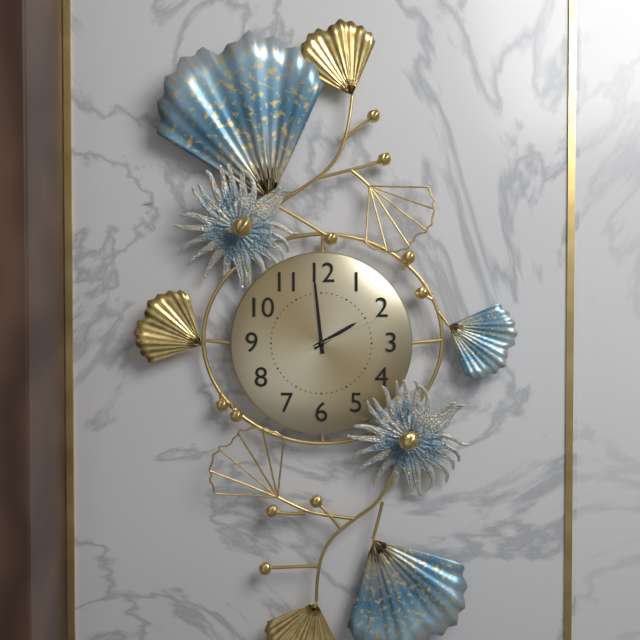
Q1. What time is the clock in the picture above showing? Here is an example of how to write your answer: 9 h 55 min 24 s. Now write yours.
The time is 1 h 59 min 11 s
